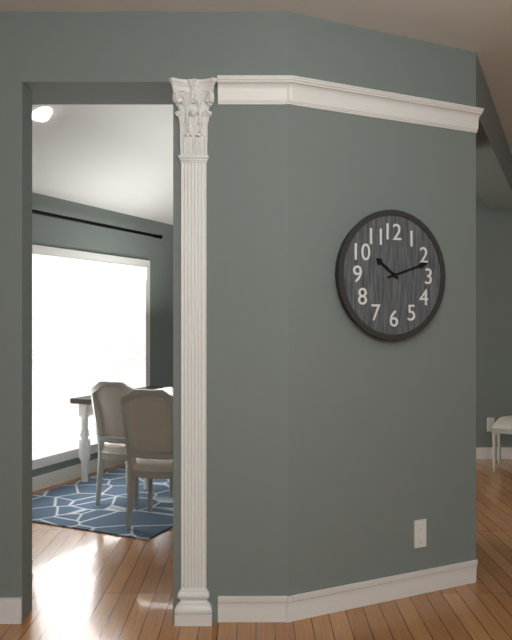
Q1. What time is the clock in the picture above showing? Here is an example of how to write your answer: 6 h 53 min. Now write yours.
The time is 10 h 12 min
